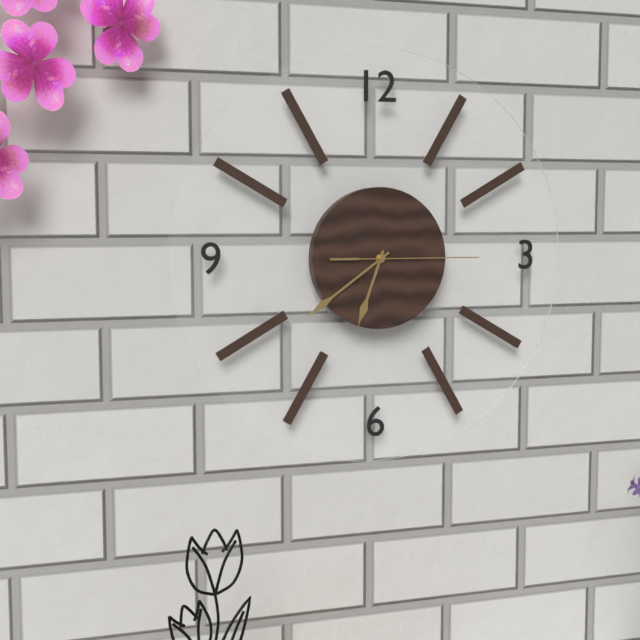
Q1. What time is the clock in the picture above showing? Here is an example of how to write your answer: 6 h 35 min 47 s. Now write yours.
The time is 6 h 39 min 15 s
